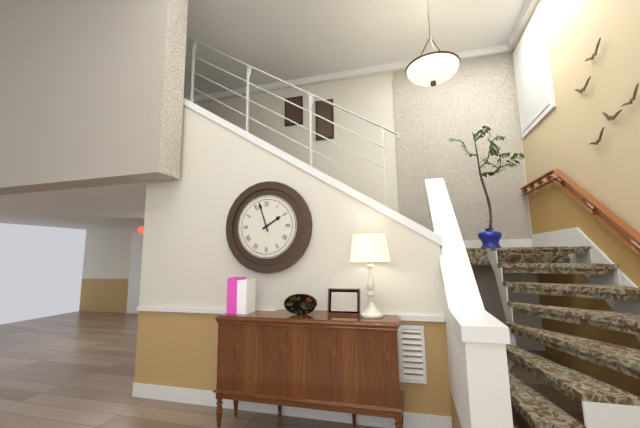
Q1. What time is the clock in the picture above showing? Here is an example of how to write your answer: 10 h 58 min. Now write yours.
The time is 1 h 57 min
